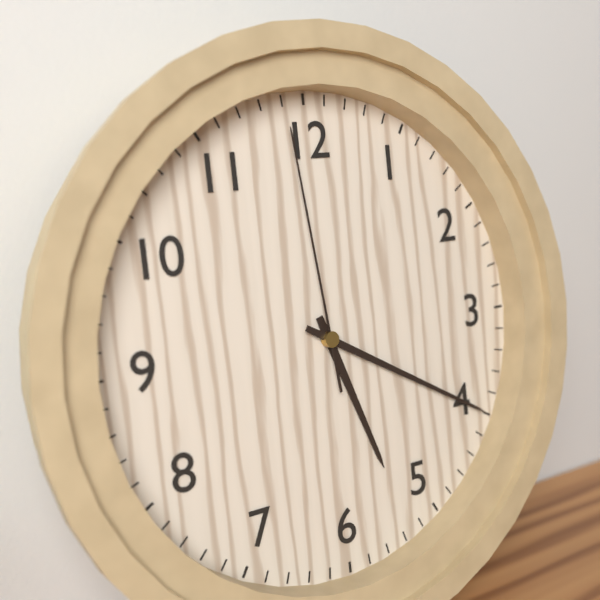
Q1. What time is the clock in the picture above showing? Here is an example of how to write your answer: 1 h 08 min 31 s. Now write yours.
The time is 5 h 20 min 59 s
